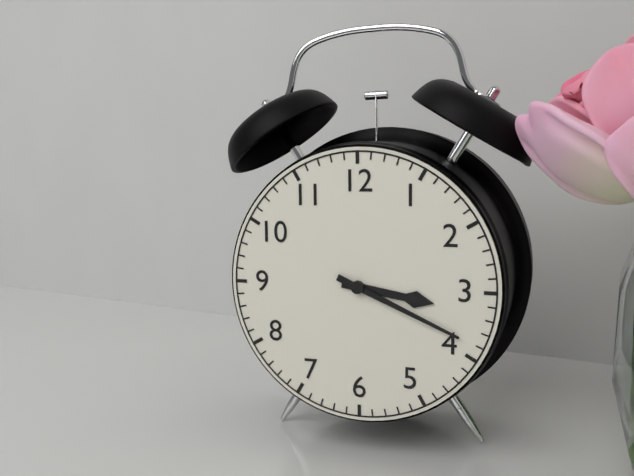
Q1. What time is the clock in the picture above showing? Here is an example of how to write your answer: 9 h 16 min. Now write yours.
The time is 3 h 19 min
